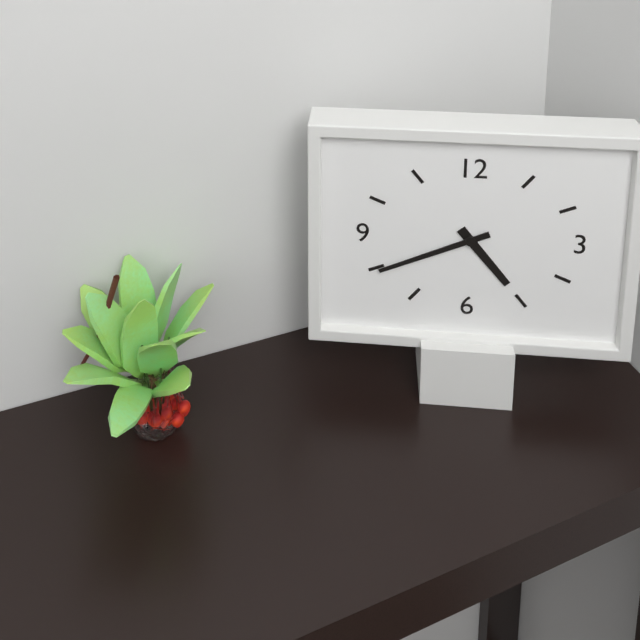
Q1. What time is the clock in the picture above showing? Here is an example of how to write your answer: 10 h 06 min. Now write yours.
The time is 4 h 41 min
